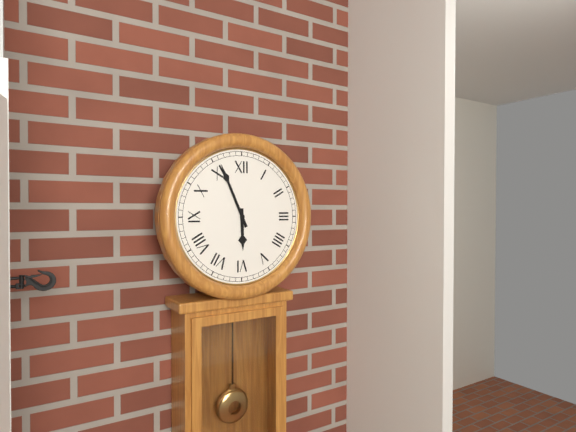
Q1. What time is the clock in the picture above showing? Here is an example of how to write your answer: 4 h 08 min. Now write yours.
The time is 5 h 56 min
